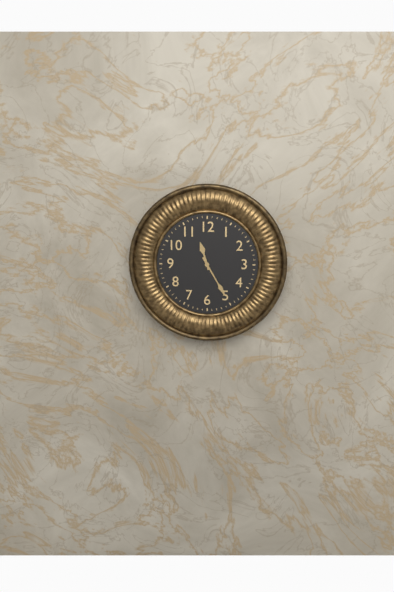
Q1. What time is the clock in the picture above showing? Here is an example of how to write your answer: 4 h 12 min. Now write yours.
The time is 11 h 25 min
